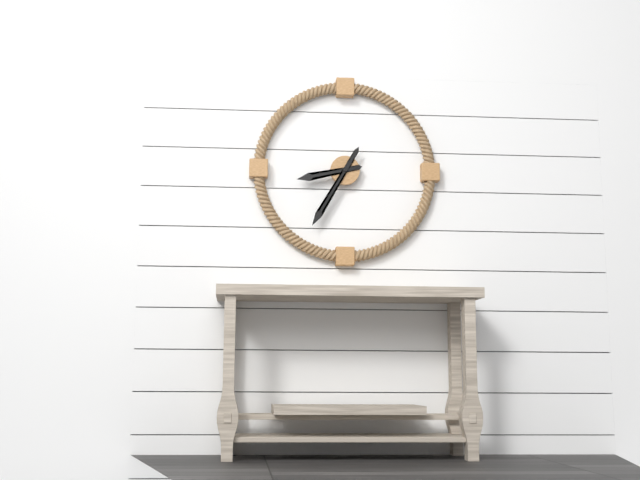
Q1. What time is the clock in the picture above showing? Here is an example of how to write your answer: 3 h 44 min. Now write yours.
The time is 8 h 35 min
